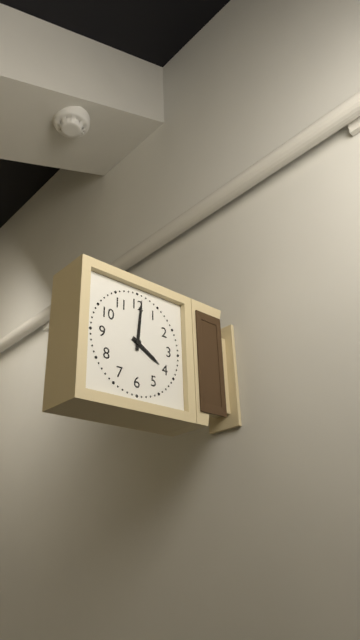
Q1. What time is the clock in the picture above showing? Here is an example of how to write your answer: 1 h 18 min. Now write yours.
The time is 4 h 01 min
